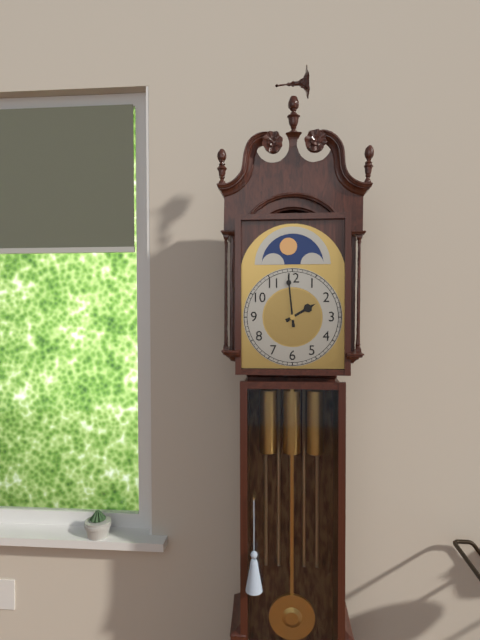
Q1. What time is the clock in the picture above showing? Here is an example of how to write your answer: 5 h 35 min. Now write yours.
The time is 1 h 59 min
